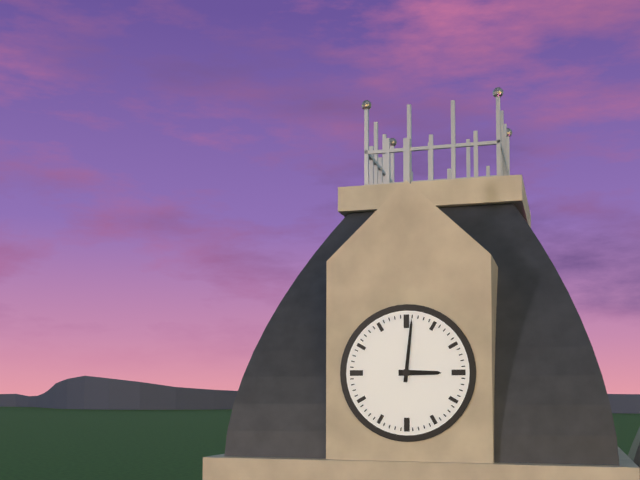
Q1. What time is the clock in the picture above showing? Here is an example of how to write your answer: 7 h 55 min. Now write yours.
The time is 3 h 01 min
